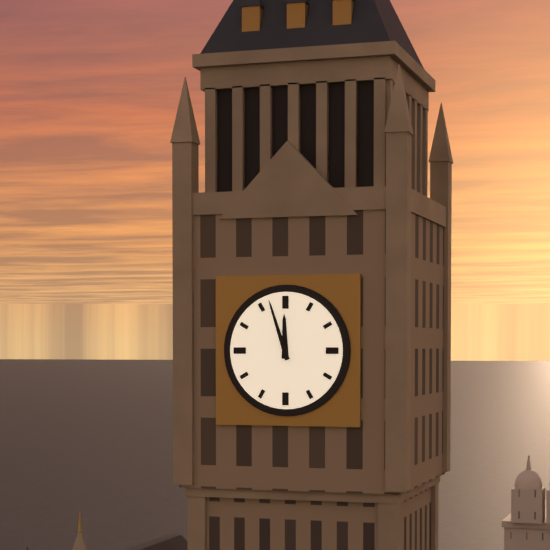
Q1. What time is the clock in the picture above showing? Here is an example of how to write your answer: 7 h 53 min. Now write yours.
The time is 11 h 57 min
